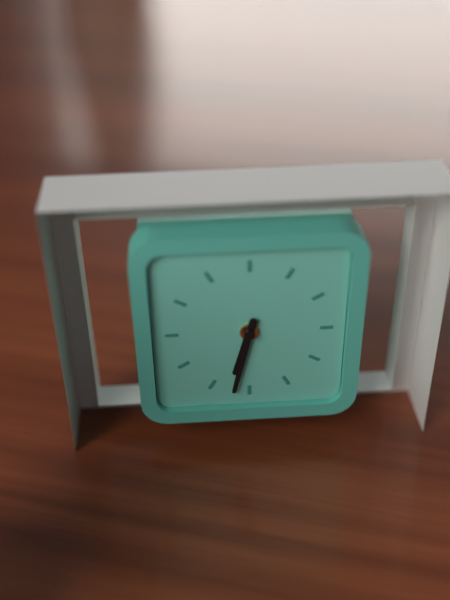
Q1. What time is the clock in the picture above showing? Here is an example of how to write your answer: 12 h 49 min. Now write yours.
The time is 6 h 32 min
